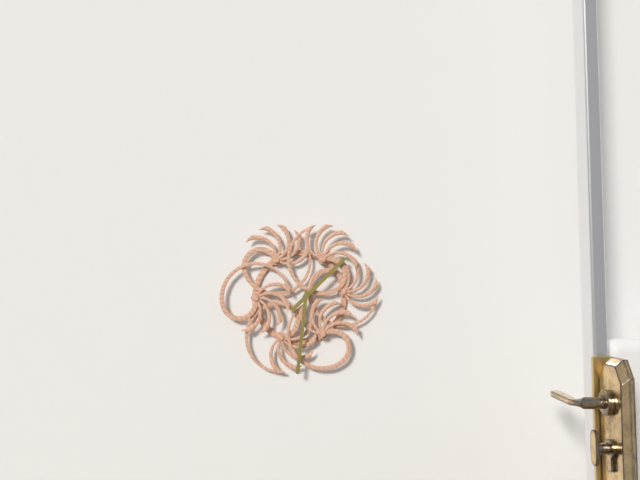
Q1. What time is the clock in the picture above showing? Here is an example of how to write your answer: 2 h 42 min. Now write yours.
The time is 1 h 31 min
